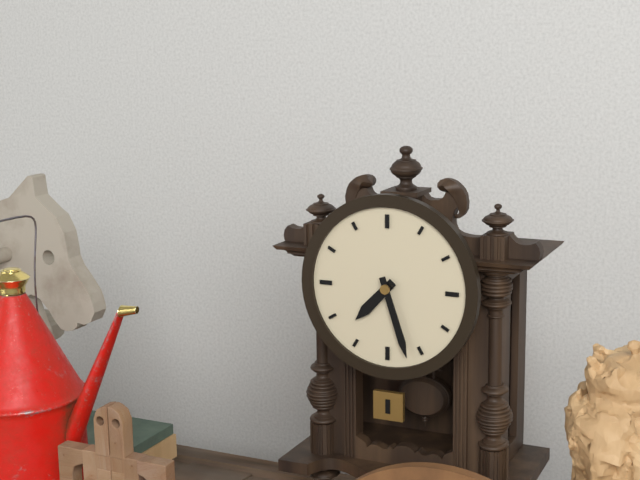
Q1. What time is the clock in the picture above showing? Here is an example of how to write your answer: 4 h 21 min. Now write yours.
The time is 7 h 27 min
